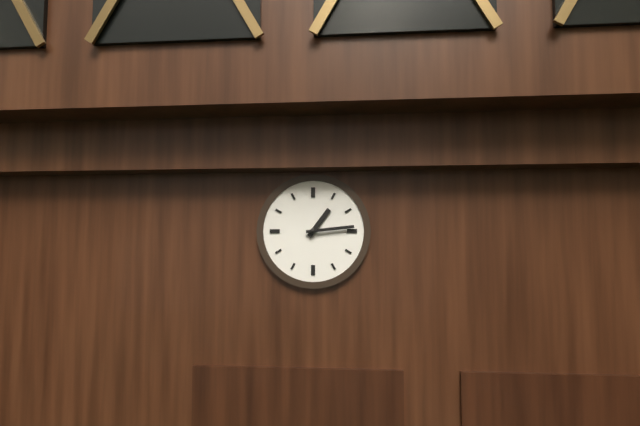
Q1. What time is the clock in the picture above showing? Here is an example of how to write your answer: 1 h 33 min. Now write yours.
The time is 1 h 14 min
